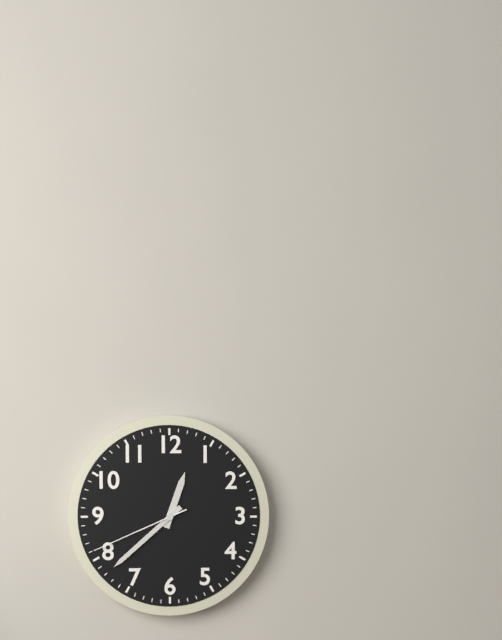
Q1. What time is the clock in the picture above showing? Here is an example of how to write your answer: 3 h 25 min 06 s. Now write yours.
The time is 12 h 38 min 41 s
